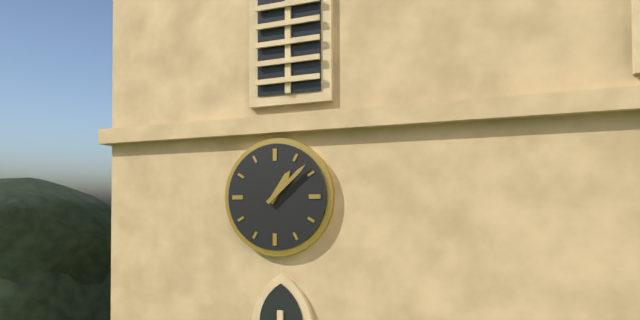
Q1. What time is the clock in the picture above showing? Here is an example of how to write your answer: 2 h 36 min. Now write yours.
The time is 1 h 08 min
